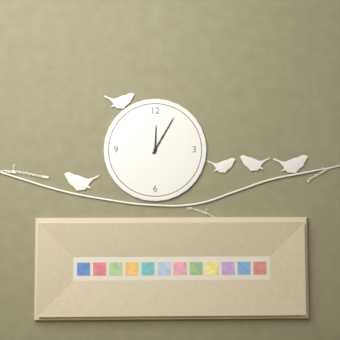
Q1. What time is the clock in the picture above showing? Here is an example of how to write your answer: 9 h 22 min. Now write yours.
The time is 12 h 05 min
